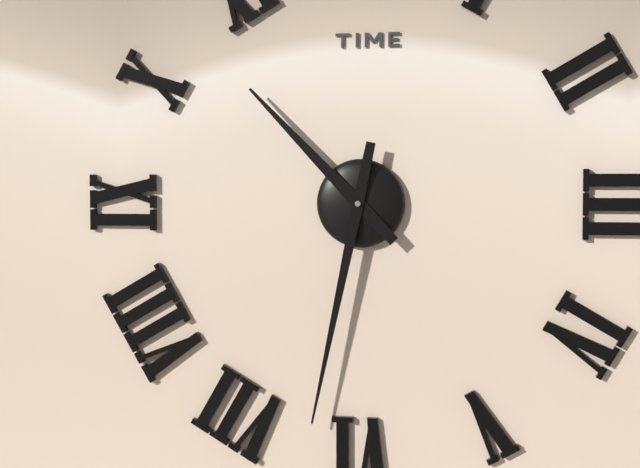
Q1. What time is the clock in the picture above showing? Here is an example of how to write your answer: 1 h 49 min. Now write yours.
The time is 10 h 32 min
